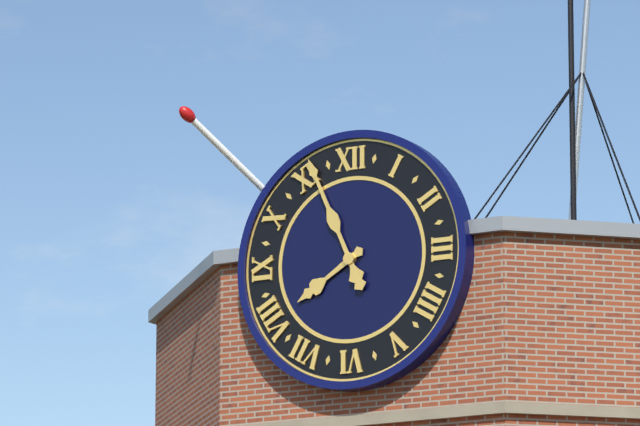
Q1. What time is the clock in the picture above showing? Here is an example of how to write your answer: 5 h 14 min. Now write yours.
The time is 7 h 56 min
